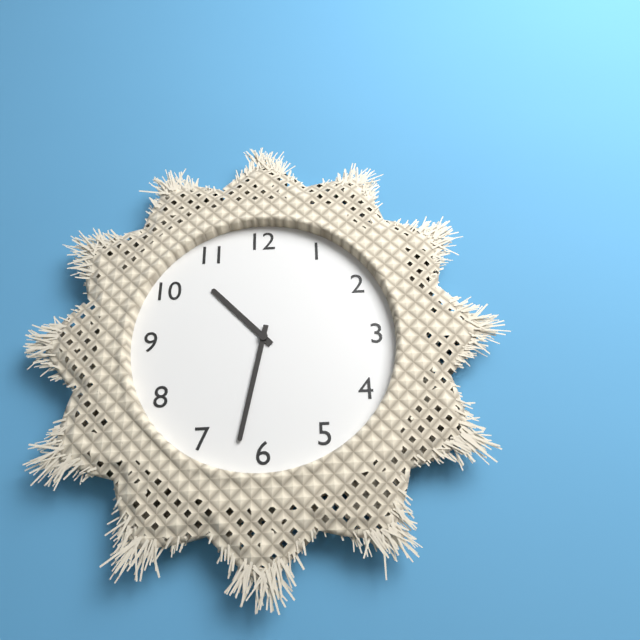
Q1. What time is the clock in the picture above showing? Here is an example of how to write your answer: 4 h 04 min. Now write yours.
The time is 10 h 32 min
